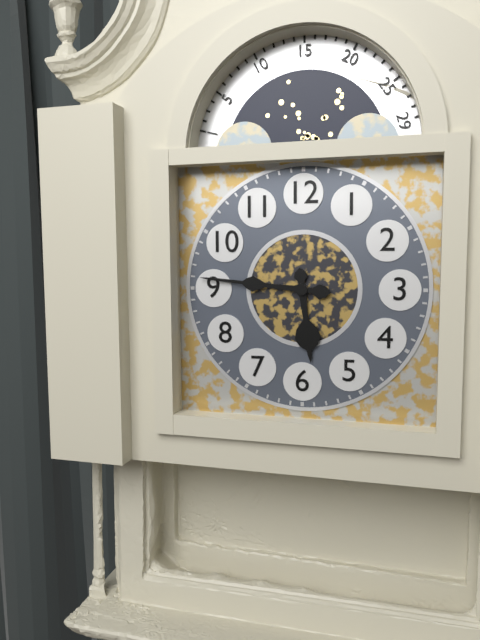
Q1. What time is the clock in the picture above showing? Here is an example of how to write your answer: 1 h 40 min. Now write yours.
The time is 5 h 46 min
